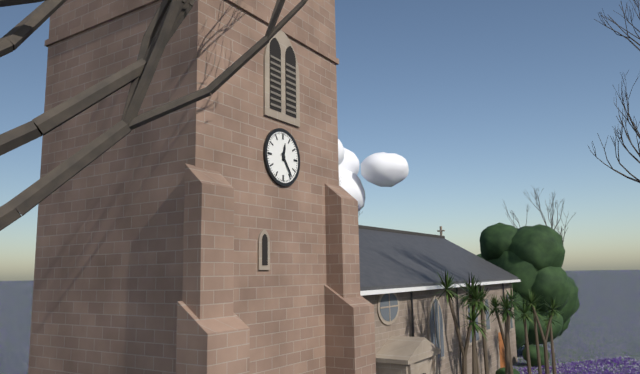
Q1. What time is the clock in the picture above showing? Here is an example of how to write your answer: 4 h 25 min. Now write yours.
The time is 12 h 24 min
